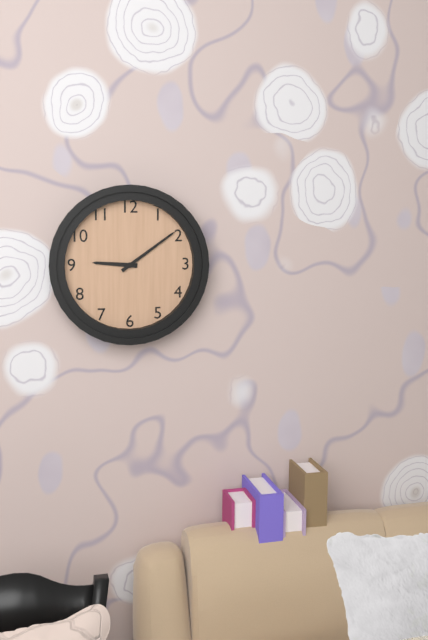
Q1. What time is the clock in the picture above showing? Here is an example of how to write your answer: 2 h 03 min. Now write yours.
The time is 9 h 09 min
